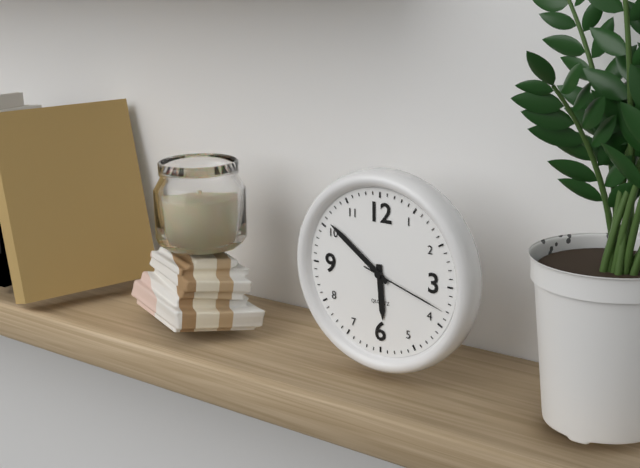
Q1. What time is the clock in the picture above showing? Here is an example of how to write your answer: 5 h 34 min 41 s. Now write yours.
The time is 5 h 51 min 18 s
